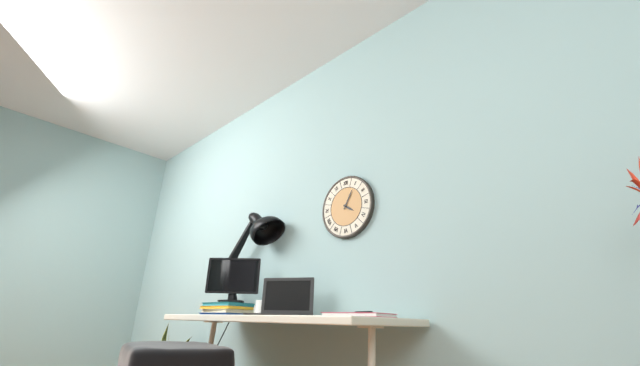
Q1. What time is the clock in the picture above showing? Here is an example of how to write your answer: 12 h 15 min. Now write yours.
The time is 4 h 05 min
